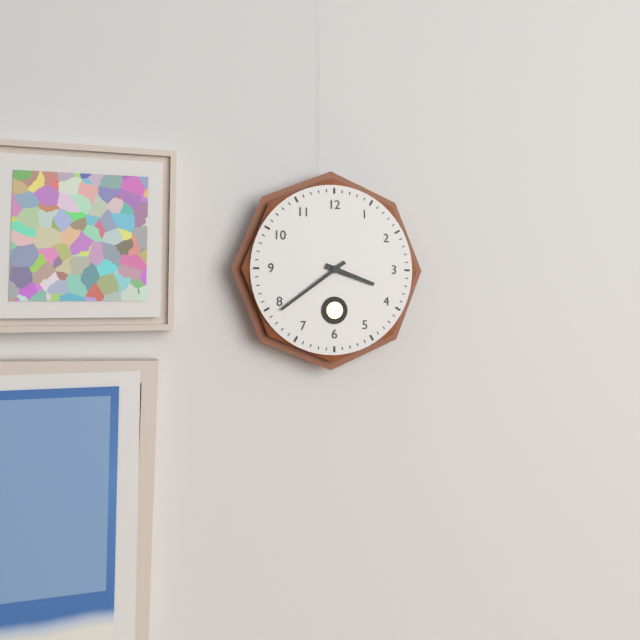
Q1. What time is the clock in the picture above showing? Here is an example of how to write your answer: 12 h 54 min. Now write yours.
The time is 3 h 39 min
